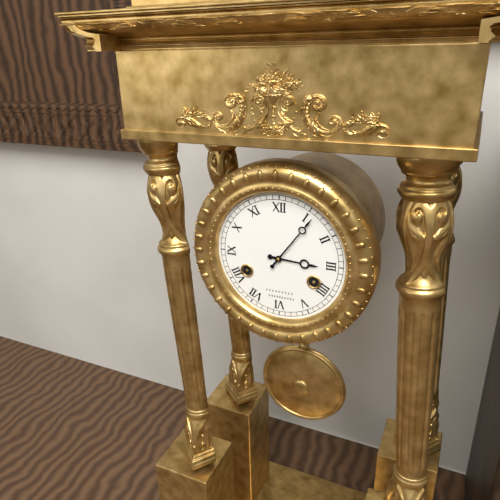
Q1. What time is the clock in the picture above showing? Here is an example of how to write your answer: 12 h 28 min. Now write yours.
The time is 3 h 06 min
